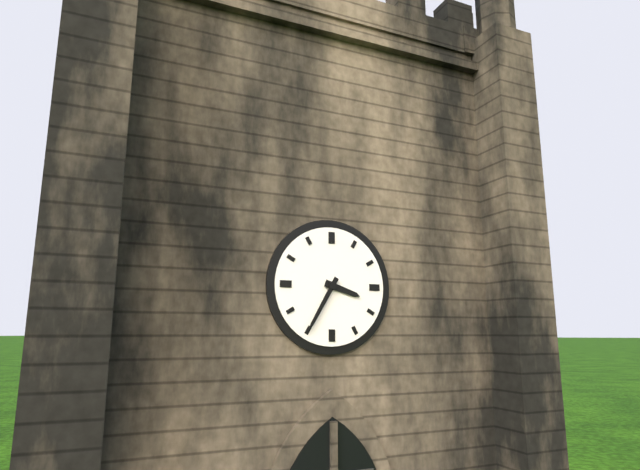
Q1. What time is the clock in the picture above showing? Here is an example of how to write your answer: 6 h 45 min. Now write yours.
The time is 3 h 35 min
